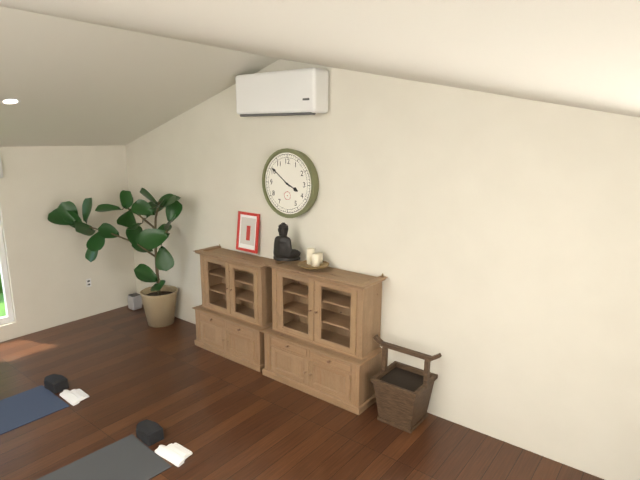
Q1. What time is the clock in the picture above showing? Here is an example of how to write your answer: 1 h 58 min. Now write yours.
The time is 3 h 51 min
